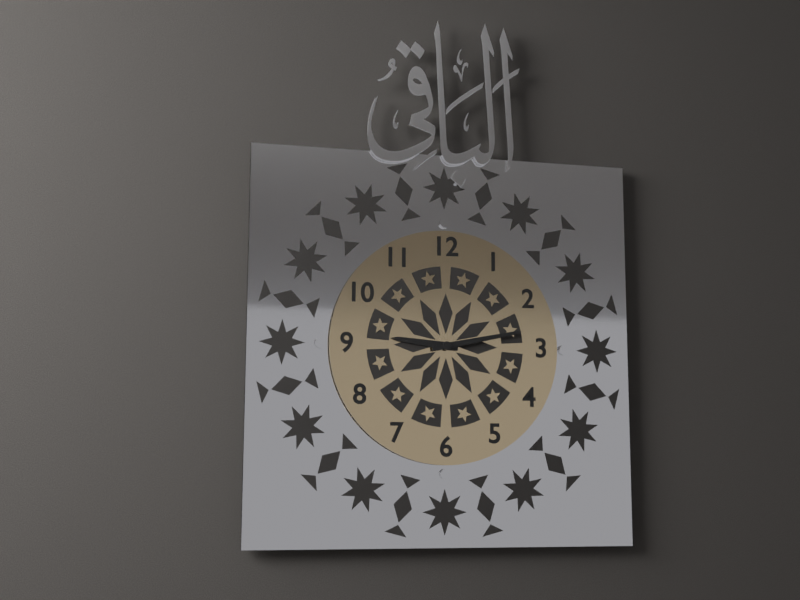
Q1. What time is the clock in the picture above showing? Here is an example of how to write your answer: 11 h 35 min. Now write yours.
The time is 9 h 13 min
